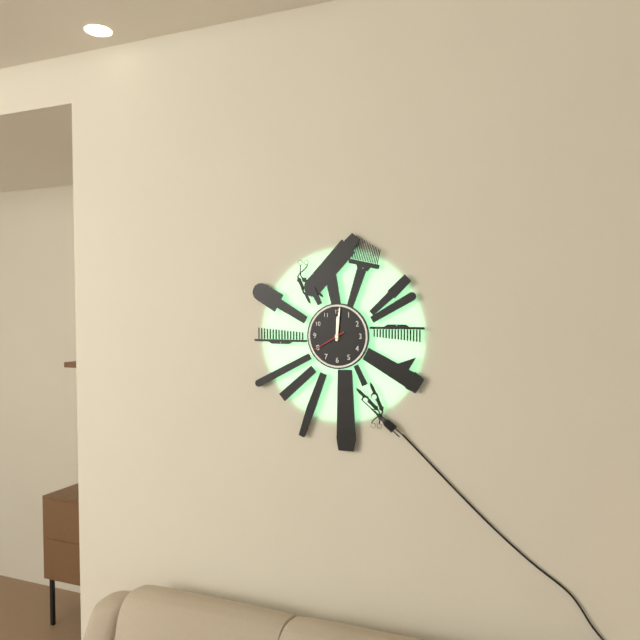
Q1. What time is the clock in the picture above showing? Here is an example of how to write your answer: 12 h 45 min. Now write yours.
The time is 12 h 01 min
